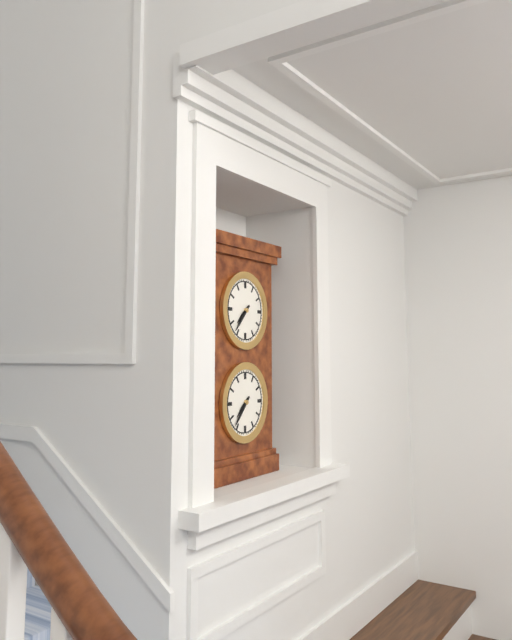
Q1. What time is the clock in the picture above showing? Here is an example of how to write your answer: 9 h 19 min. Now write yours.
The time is 7 h 37 min
